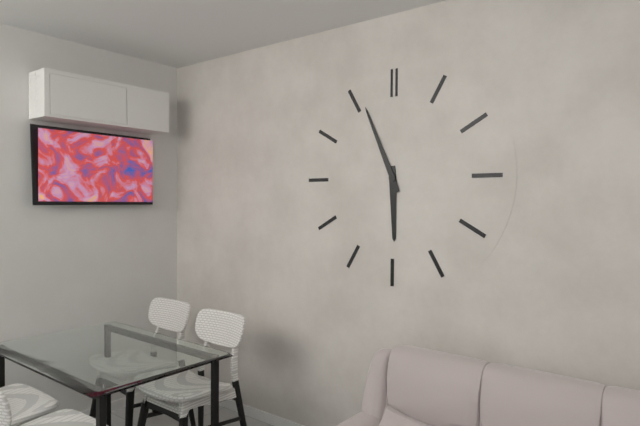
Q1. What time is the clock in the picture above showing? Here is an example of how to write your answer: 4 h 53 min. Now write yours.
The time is 5 h 56 min
